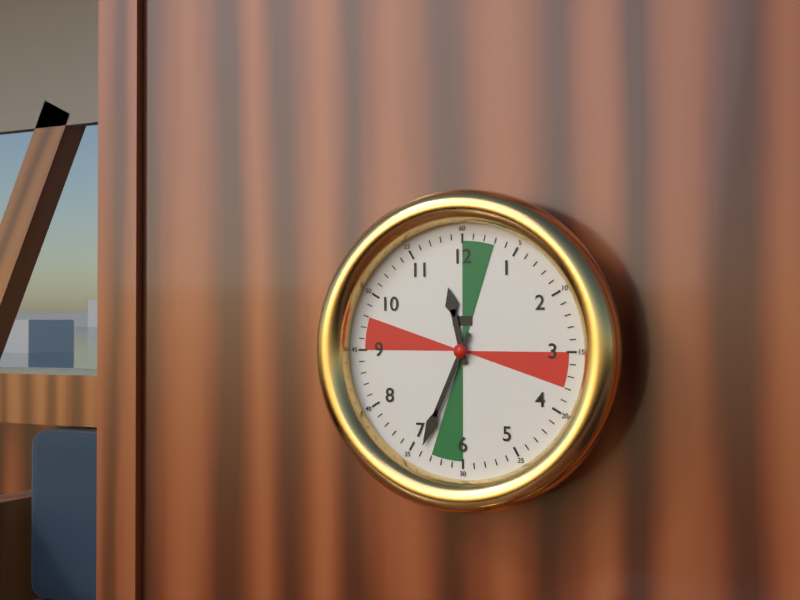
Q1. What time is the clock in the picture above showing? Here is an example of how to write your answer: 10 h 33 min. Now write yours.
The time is 11 h 34 min
